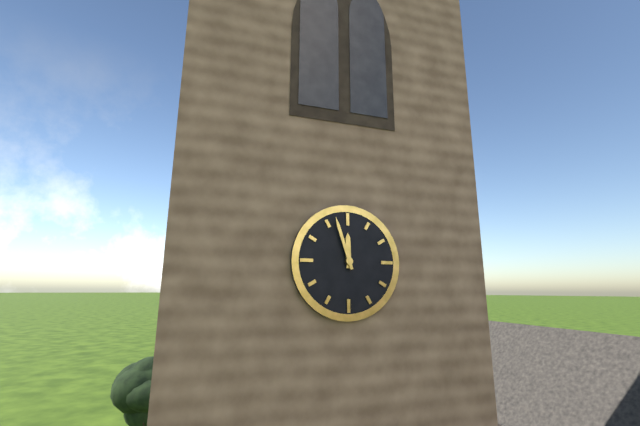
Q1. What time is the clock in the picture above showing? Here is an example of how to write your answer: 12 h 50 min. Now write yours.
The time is 11 h 57 min
